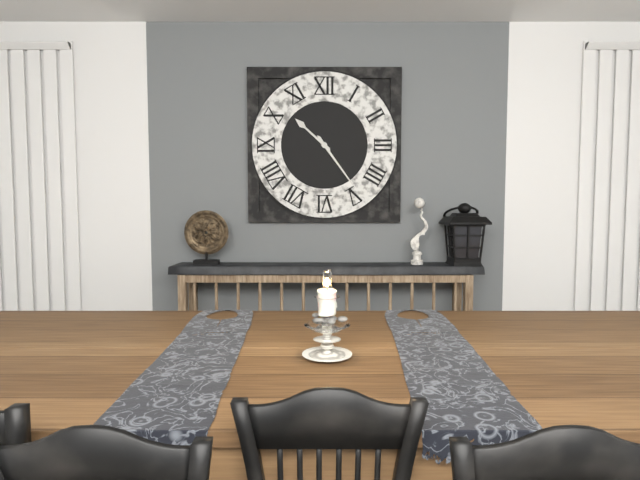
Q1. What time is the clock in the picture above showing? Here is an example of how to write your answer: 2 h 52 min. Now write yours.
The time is 10 h 24 min
